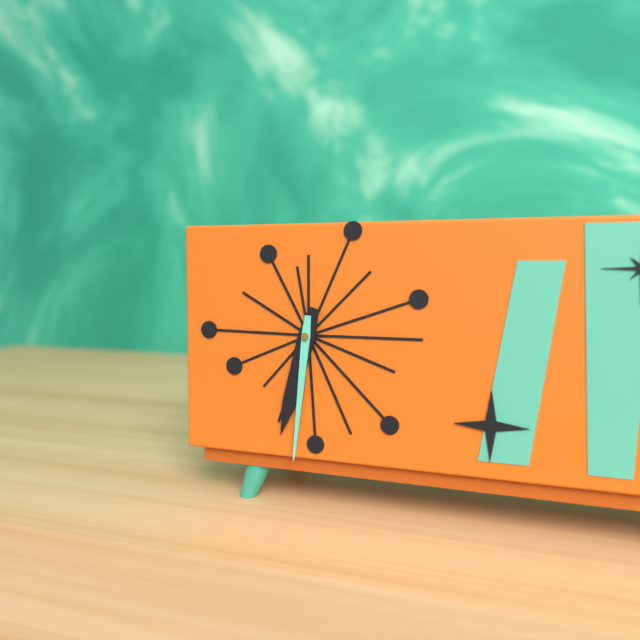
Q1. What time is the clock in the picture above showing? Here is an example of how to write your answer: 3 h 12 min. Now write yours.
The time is 6 h 31 min
